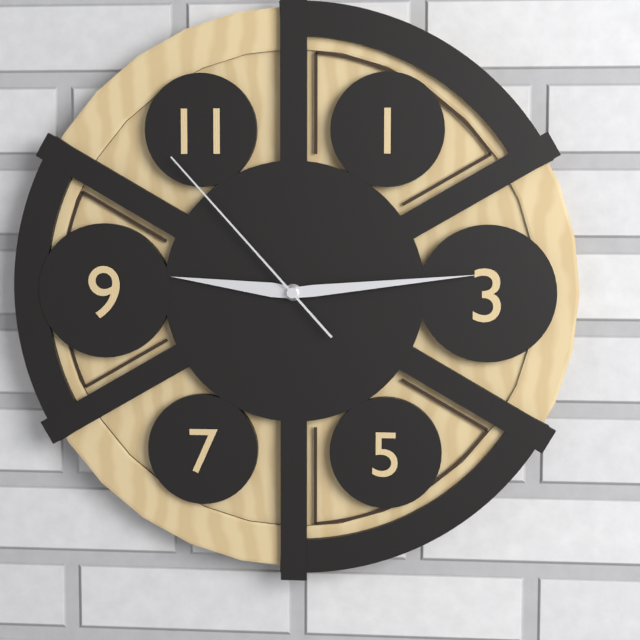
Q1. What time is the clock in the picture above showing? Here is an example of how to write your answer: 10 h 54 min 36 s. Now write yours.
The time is 9 h 14 min 53 s
